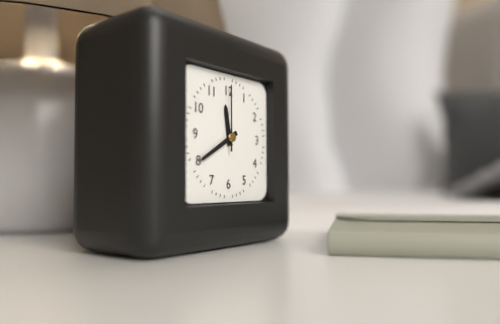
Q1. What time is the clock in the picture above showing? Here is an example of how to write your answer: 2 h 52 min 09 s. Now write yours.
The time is 11 h 40 min 00 s
